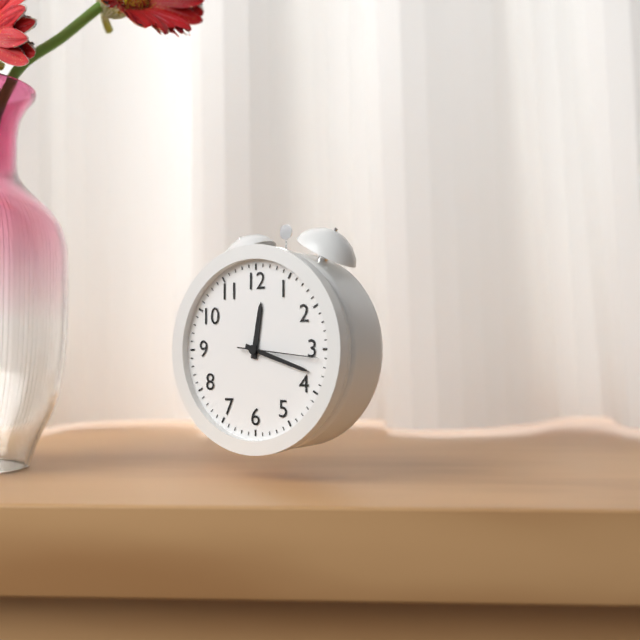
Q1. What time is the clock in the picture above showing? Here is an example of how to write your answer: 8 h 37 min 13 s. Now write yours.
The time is 12 h 18 min 16 s
